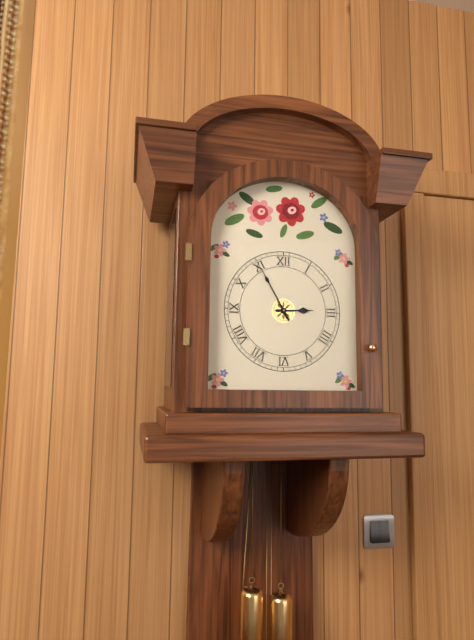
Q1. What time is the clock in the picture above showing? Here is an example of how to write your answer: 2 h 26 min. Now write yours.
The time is 2 h 55 min
